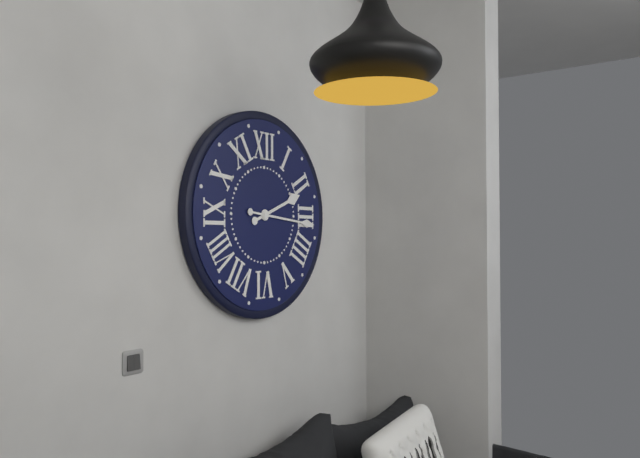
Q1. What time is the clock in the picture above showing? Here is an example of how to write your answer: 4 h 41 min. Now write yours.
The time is 2 h 16 min
